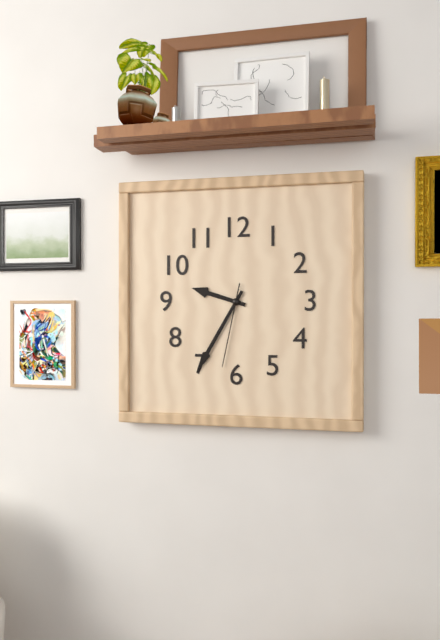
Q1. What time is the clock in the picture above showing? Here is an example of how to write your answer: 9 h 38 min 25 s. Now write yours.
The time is 9 h 35 min 32 s
